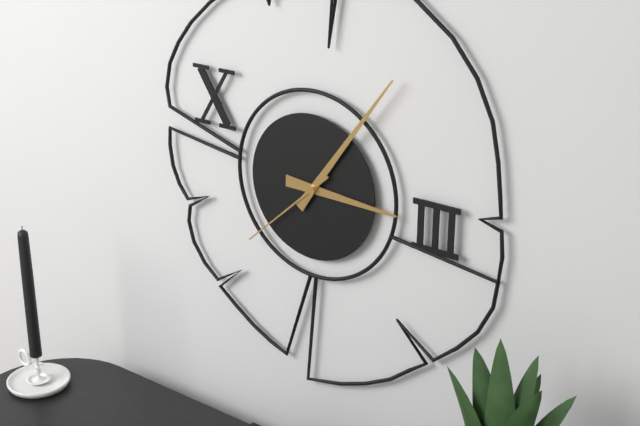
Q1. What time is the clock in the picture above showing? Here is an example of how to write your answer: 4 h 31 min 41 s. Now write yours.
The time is 3 h 06 min 38 s
